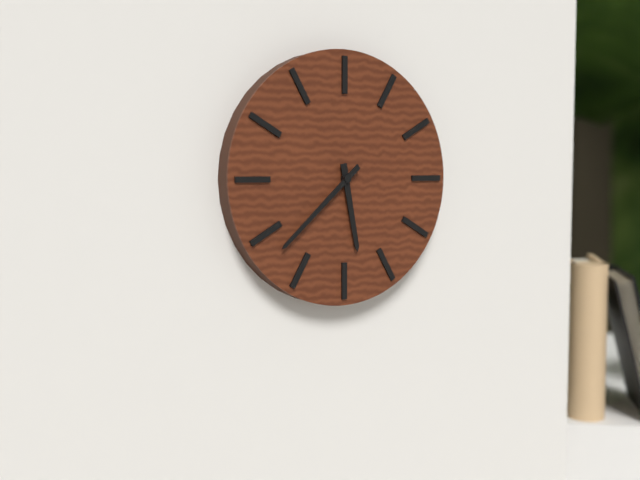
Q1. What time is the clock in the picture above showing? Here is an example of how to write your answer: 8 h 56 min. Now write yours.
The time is 5 h 38 min
